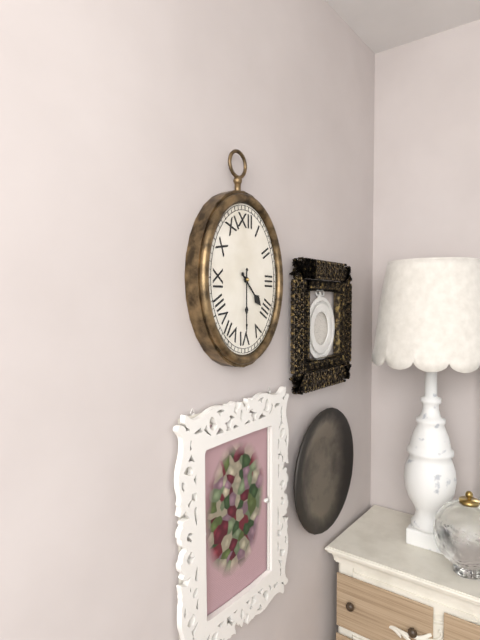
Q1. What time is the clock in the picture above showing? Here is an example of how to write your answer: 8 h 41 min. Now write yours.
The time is 4 h 30 min
